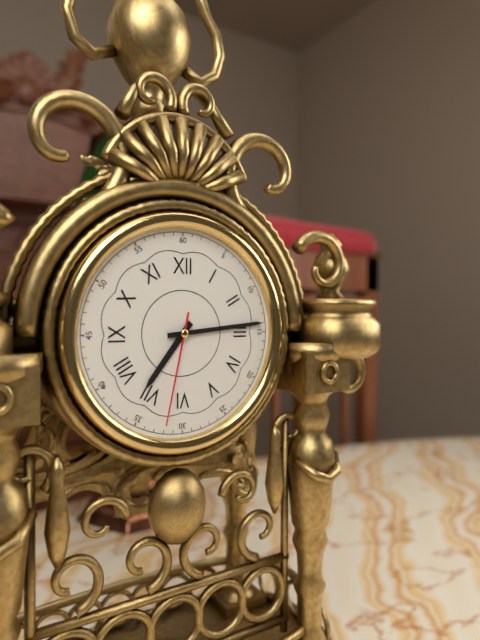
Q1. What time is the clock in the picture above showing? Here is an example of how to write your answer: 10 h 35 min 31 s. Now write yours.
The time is 7 h 14 min 32 s
